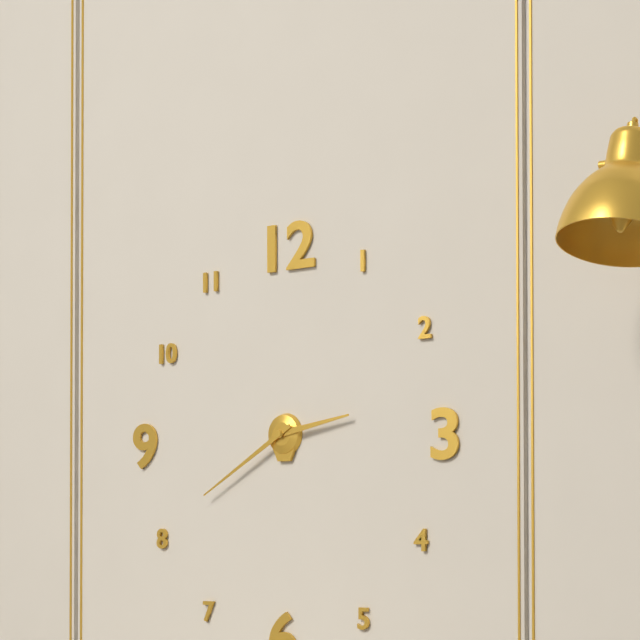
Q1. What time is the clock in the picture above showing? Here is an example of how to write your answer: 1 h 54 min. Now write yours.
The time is 2 h 40 min
